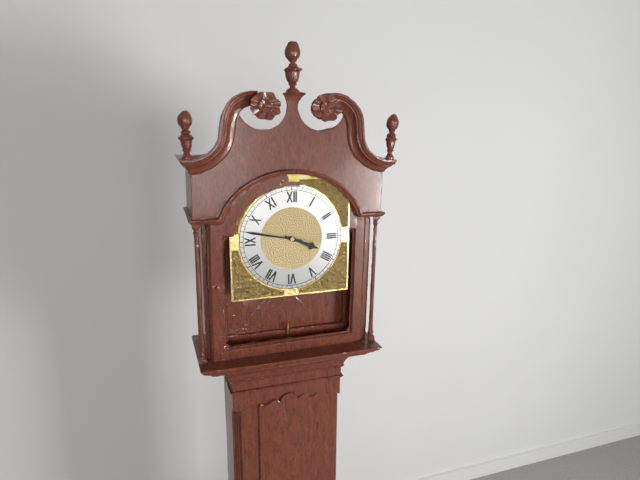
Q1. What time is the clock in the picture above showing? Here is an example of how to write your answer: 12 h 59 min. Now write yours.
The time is 3 h 47 min
